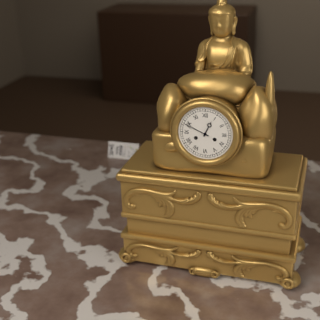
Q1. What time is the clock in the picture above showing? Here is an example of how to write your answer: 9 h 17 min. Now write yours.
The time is 12 h 49 min
